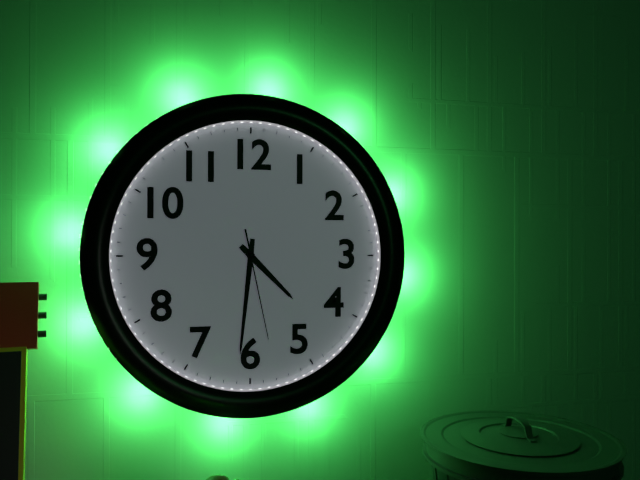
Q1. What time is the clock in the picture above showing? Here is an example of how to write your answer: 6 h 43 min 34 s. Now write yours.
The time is 4 h 31 min 28 s
